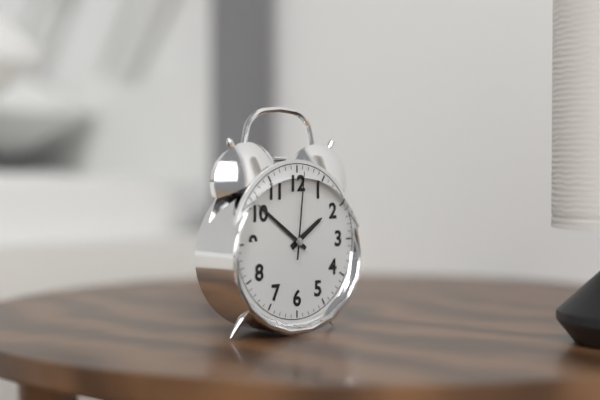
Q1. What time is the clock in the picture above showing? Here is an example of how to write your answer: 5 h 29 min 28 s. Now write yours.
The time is 1 h 51 min 01 s
